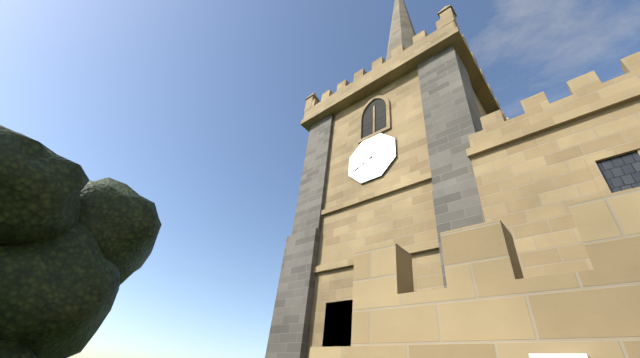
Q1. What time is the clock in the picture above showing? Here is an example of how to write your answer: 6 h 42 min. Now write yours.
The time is 9 h 41 min
